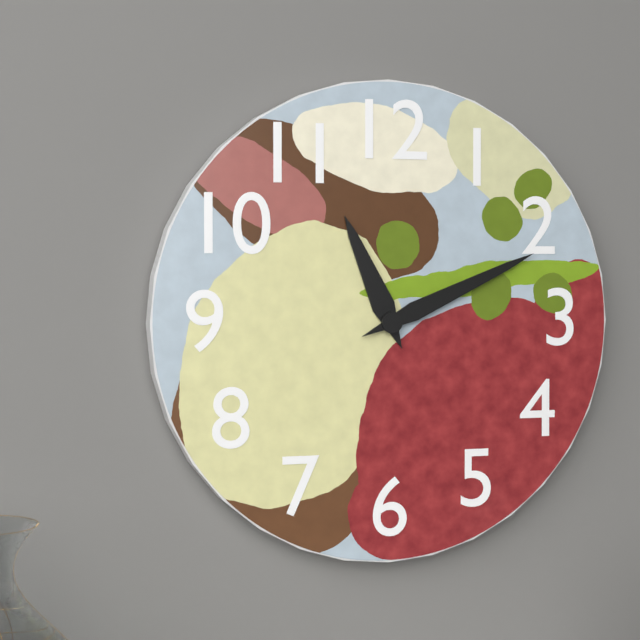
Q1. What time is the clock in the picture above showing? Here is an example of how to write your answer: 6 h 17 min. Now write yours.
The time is 11 h 11 min
